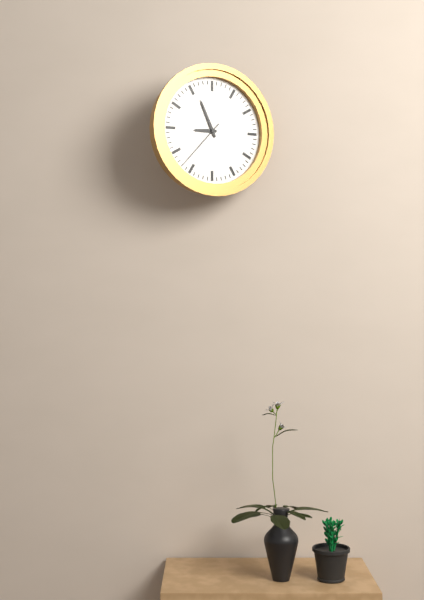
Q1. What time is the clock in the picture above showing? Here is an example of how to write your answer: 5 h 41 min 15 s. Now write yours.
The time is 8 h 56 min 37 s
